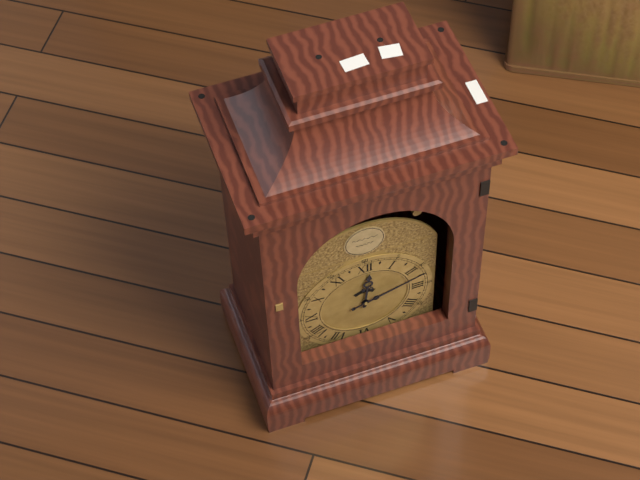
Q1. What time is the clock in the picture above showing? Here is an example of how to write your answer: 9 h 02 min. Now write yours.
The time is 12 h 12 min
